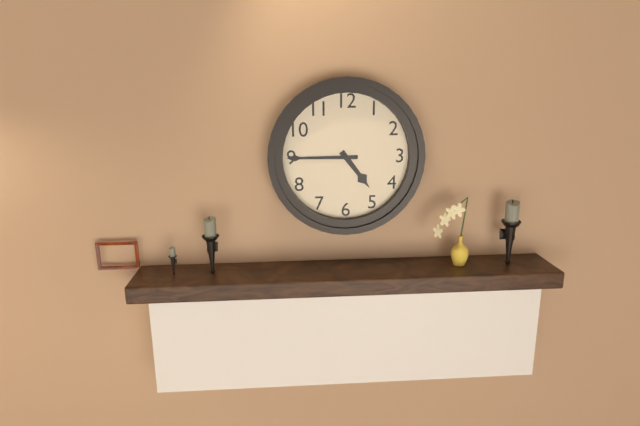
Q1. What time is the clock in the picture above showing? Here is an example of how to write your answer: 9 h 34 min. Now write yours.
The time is 4 h 45 min
